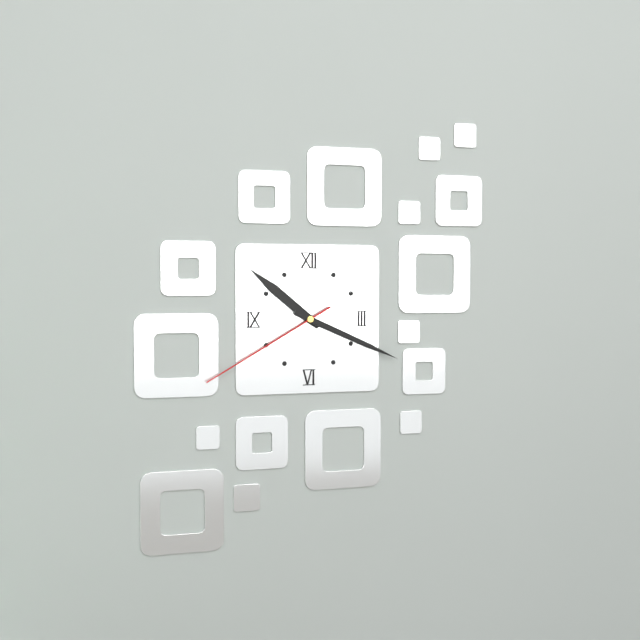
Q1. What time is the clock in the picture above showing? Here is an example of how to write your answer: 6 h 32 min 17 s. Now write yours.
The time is 10 h 19 min 40 s
